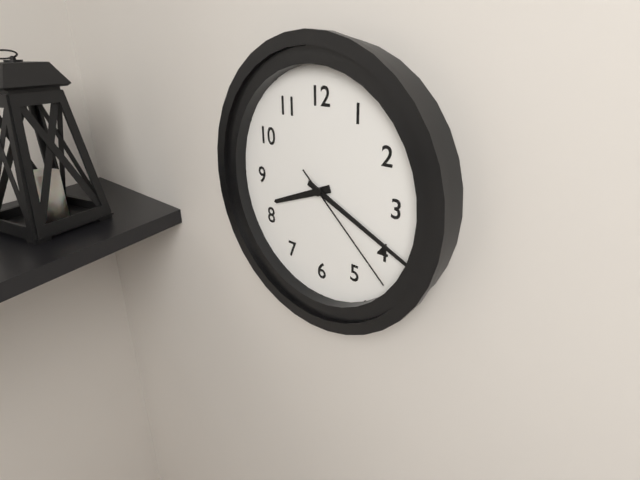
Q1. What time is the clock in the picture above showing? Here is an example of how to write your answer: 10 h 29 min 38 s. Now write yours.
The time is 8 h 19 min 22 s
